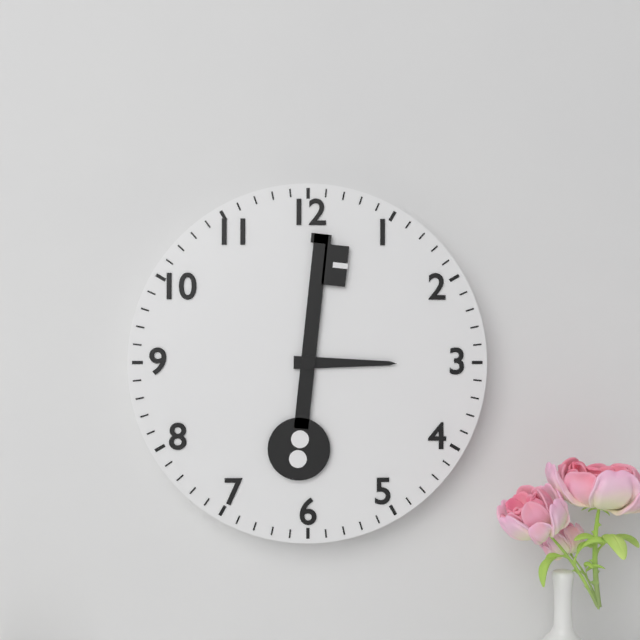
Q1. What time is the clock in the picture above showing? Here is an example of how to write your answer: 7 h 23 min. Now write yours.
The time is 3 h 01 min
